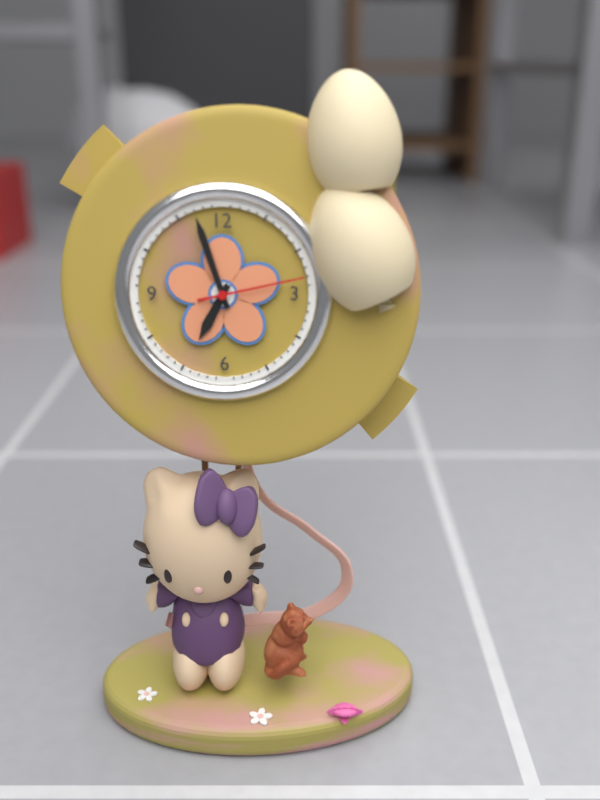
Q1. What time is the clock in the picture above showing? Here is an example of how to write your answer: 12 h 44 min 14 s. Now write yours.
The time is 6 h 57 min 13 s
